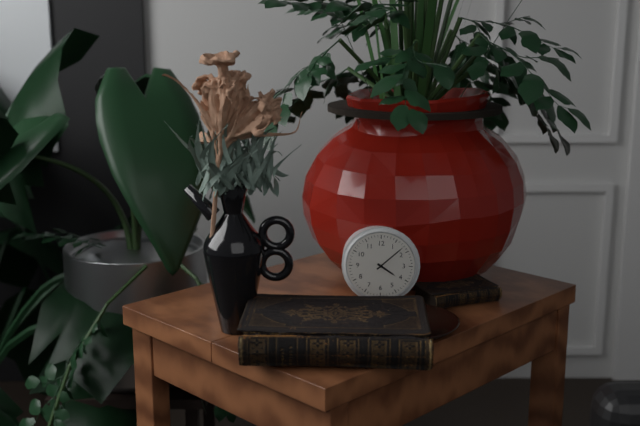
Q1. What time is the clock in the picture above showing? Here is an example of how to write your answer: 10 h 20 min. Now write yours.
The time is 4 h 08 min
